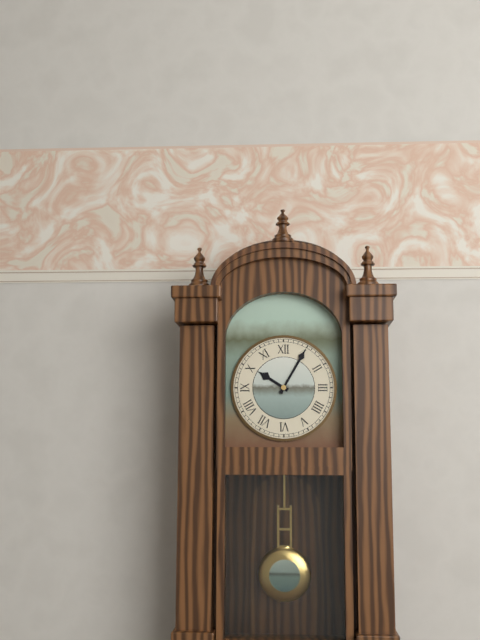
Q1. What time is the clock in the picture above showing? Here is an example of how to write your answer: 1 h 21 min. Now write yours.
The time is 10 h 05 min
